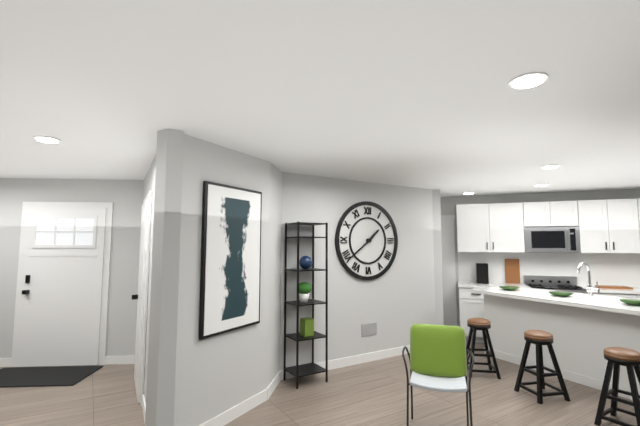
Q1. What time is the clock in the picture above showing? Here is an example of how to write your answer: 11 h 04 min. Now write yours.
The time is 1 h 39 min
